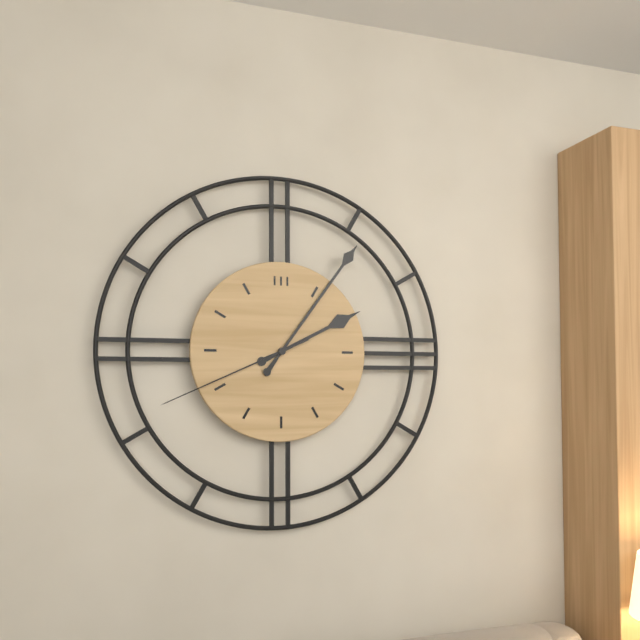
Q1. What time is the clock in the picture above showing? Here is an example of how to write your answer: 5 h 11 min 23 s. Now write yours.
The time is 2 h 06 min 41 s
